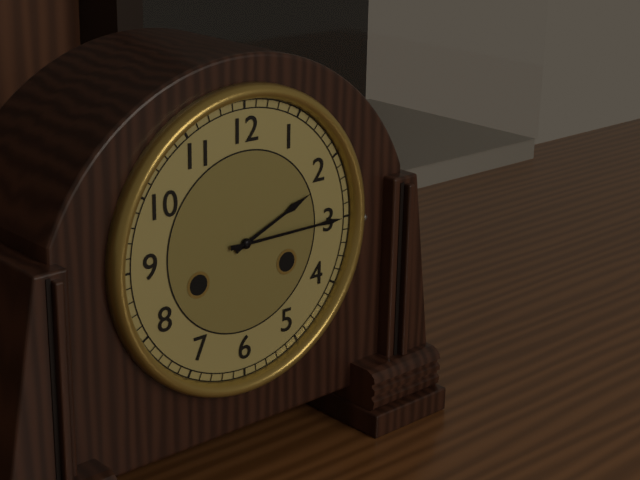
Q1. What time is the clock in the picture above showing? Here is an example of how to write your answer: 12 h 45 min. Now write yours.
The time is 2 h 15 min
